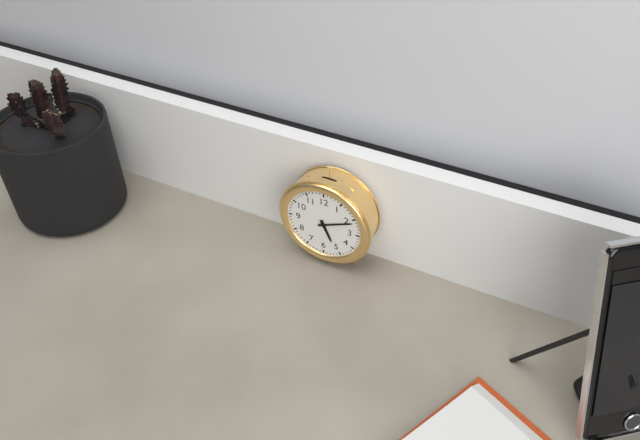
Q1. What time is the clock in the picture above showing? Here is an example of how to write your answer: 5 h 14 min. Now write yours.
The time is 5 h 11 min
